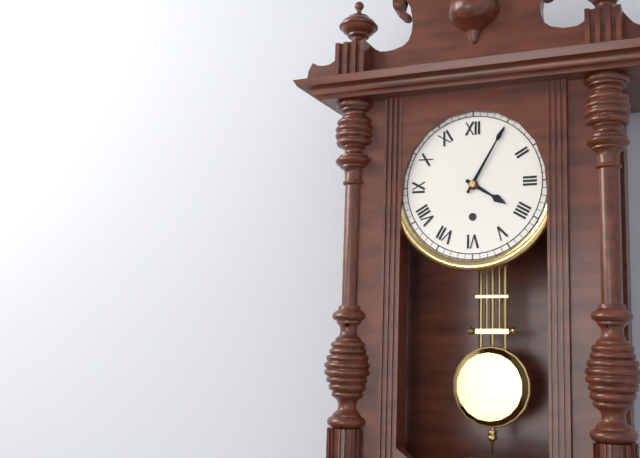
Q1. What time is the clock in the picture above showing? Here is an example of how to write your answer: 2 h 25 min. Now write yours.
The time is 4 h 05 min
